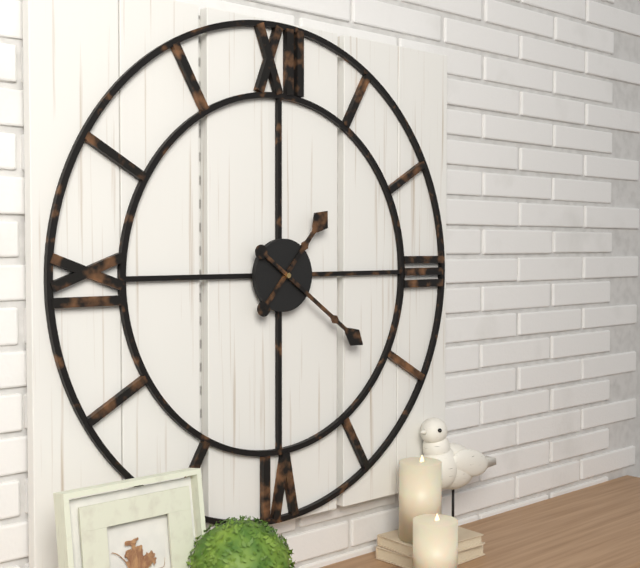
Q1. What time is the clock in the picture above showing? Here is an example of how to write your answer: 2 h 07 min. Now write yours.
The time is 1 h 21 min
